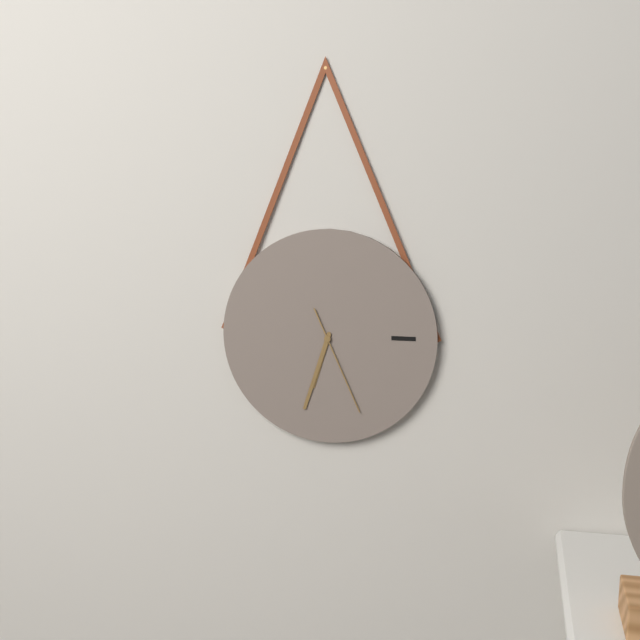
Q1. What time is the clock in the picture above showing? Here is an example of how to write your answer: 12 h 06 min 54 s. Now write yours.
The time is 6 h 33 min 26 s
